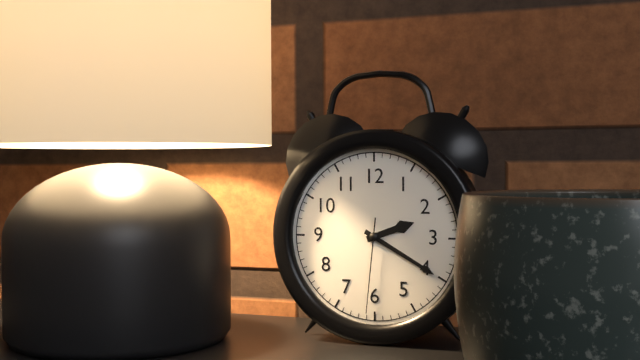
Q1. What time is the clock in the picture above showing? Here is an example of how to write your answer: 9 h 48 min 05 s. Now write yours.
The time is 2 h 20 min 31 s
